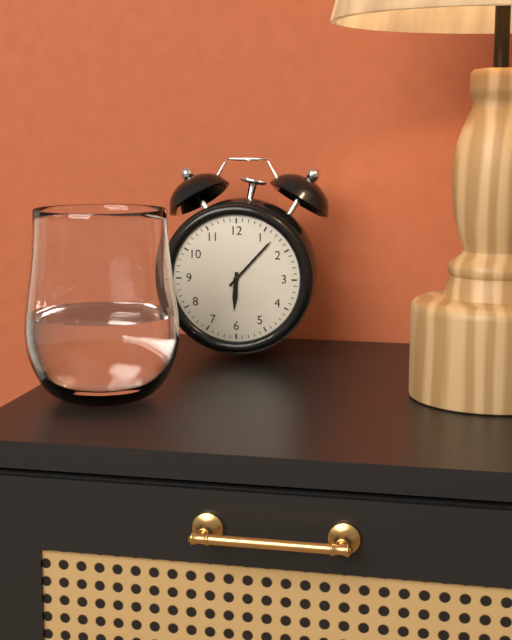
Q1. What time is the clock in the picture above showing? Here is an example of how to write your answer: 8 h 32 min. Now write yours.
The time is 6 h 07 min
